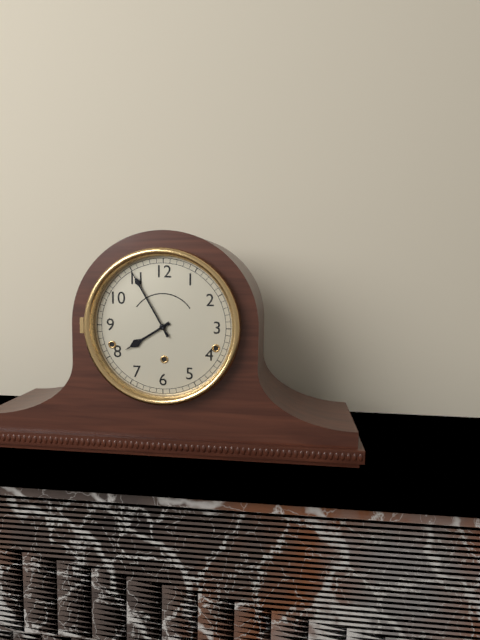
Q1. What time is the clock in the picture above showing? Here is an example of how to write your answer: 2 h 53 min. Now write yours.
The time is 7 h 55 min
